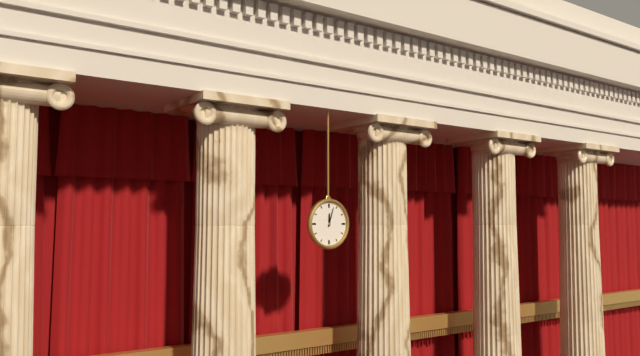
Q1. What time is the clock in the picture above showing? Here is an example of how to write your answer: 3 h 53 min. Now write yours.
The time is 12 h 03 min
